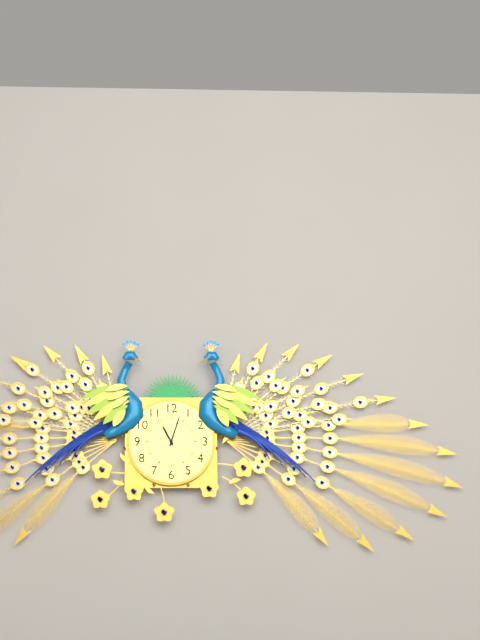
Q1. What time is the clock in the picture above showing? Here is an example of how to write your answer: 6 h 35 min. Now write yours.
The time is 11 h 03 min
